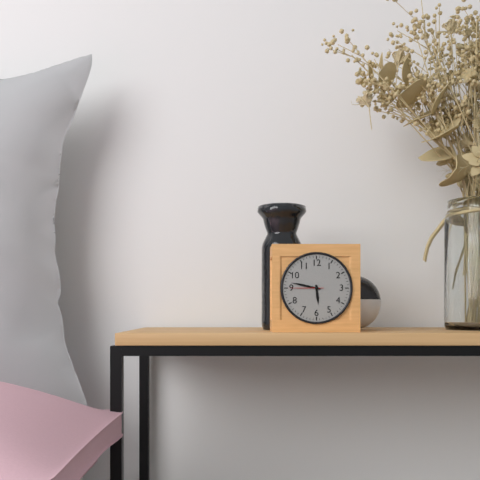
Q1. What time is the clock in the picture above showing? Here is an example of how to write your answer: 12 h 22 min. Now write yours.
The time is 5 h 47 min
